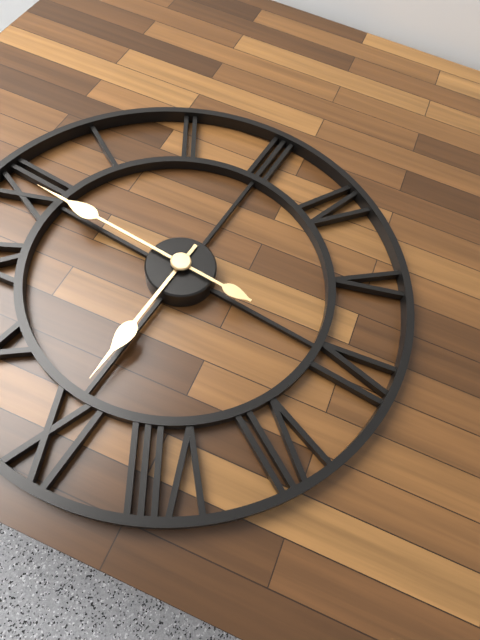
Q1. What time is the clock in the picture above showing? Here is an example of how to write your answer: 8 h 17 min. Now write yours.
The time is 9 h 00 min
